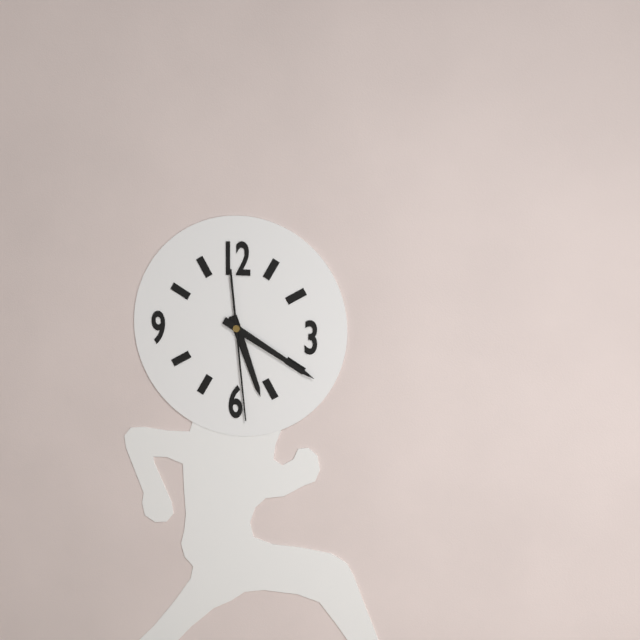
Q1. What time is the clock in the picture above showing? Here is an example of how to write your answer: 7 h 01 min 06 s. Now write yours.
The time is 5 h 20 min 29 s
